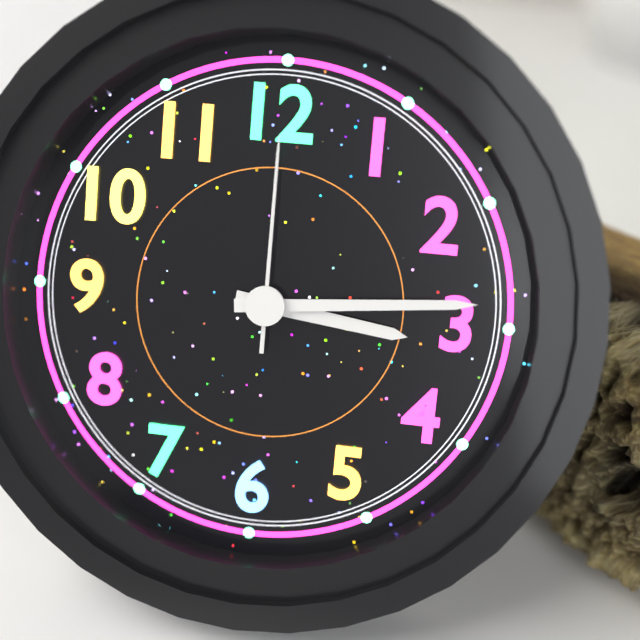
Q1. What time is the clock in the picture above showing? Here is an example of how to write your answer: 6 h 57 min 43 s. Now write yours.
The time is 3 h 14 min 00 s
